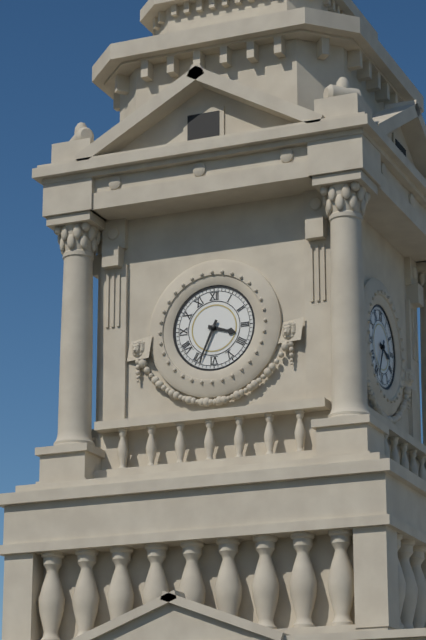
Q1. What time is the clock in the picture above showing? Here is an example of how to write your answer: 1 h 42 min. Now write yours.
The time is 3 h 34 min
